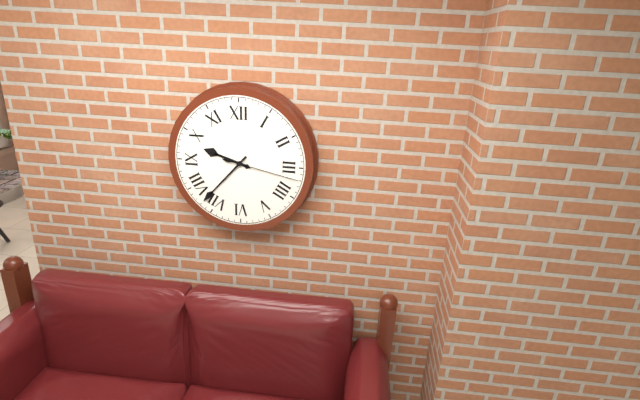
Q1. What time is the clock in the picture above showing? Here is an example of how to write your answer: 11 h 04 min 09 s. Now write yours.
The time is 9 h 37 min 17 s
